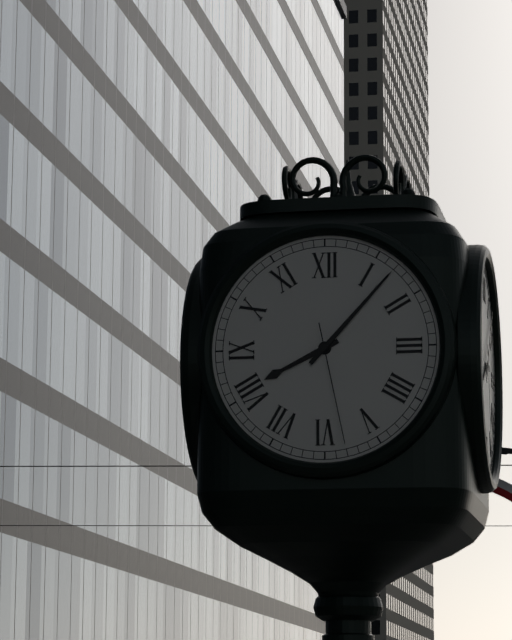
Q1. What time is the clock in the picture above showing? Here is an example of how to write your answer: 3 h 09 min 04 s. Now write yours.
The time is 8 h 07 min 28 s
